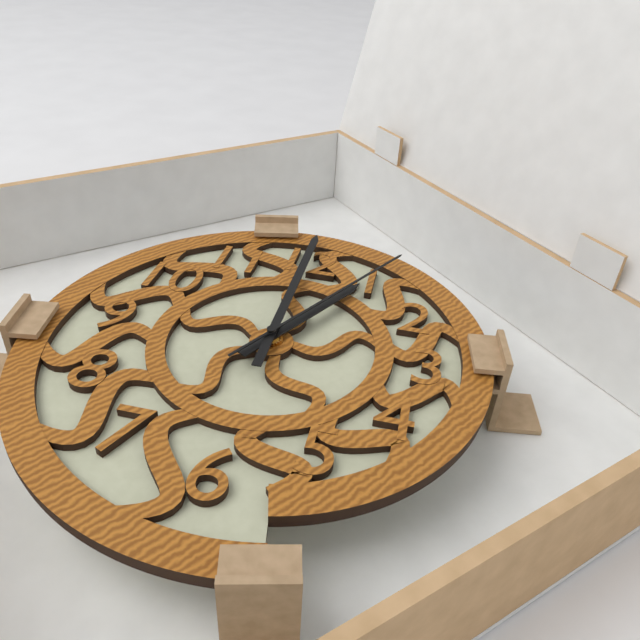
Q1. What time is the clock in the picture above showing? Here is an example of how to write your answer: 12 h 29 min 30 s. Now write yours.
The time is 1 h 00 min 05 s
